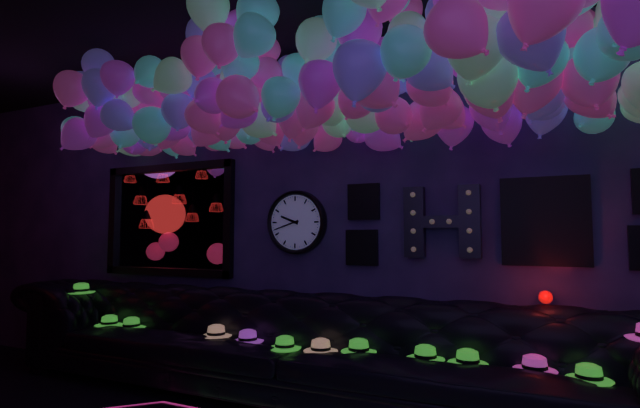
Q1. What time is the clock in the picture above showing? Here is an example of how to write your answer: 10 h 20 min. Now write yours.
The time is 9 h 42 min
